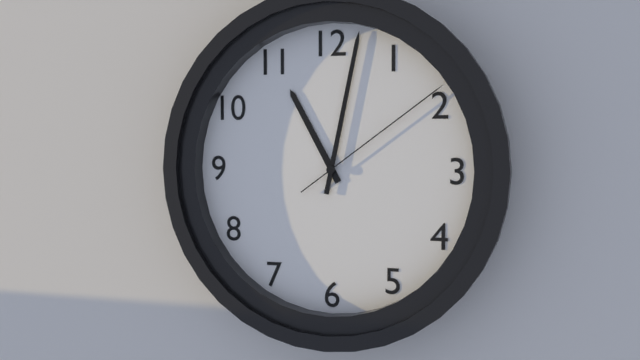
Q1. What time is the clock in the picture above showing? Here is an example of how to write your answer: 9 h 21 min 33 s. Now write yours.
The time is 11 h 02 min 09 s
